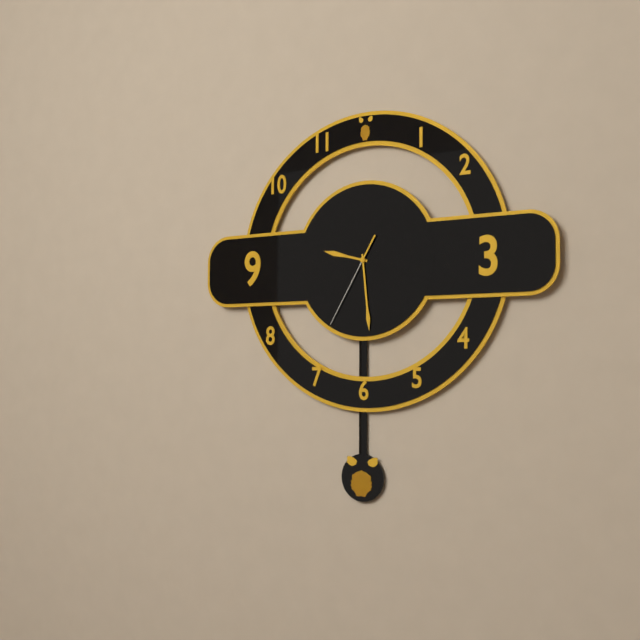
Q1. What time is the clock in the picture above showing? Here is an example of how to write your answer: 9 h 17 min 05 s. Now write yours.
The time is 9 h 29 min 35 s
